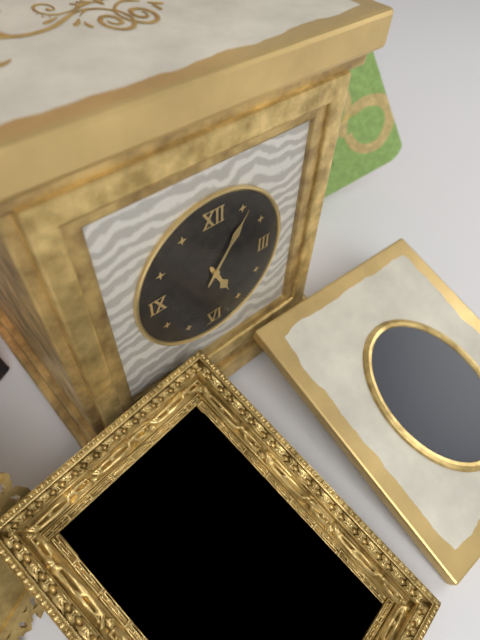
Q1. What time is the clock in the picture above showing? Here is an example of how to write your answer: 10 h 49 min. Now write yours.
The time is 5 h 06 min
